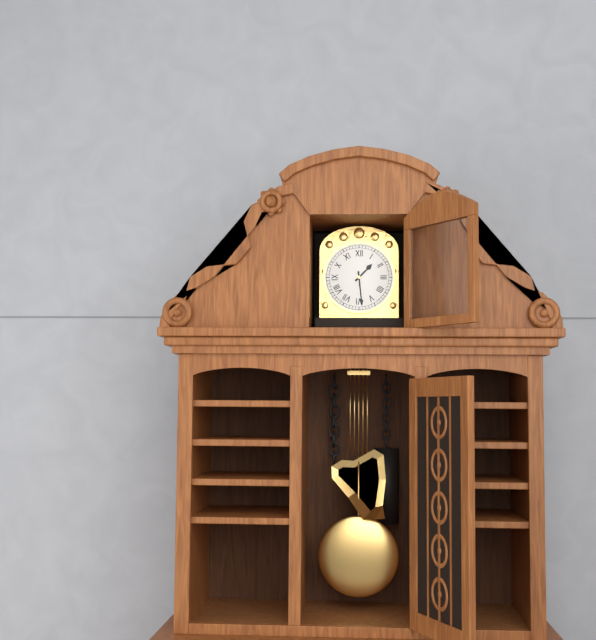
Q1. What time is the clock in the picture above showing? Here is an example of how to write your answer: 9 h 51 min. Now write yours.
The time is 1 h 29 min
